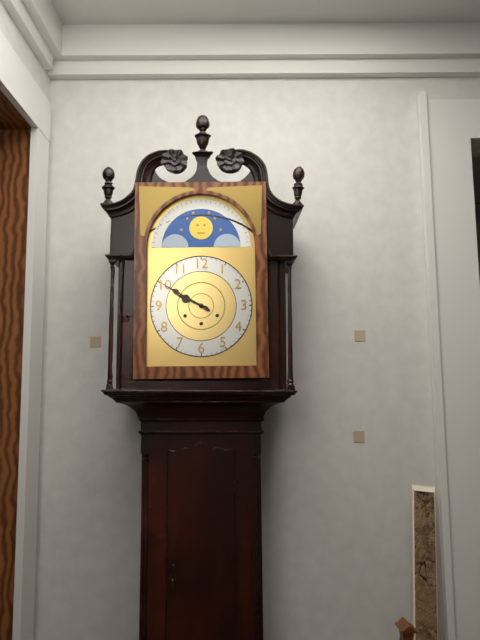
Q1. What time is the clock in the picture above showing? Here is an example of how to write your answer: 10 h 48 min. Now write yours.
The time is 9 h 50 min
